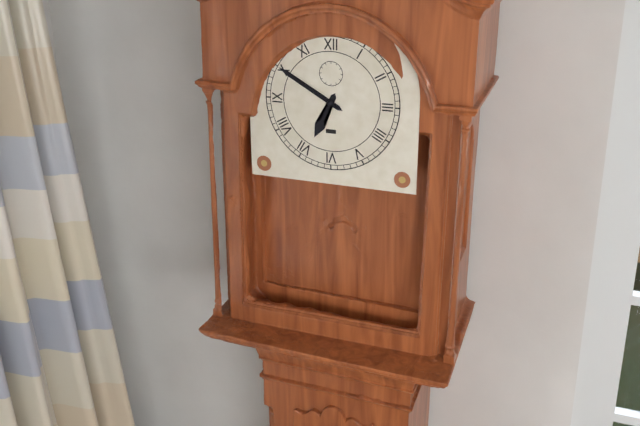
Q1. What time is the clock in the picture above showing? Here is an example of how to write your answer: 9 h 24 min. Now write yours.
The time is 6 h 50 min
